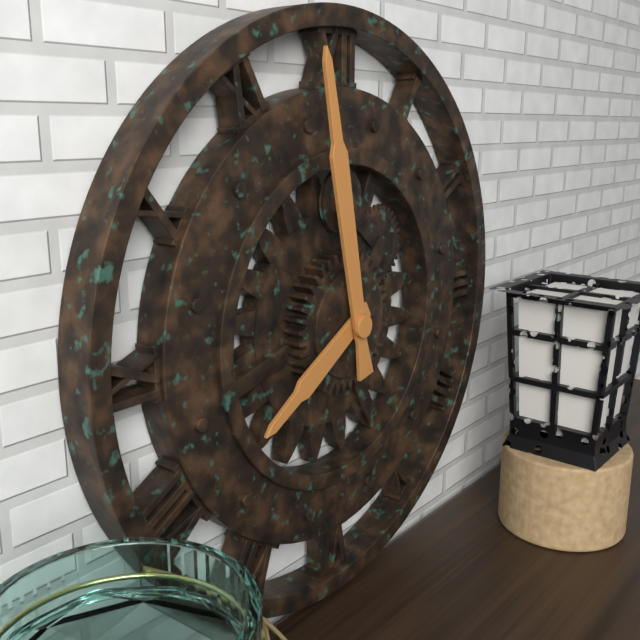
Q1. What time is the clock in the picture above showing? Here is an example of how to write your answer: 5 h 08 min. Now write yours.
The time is 7 h 58 min
